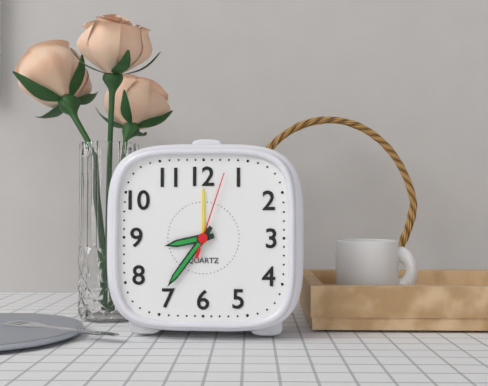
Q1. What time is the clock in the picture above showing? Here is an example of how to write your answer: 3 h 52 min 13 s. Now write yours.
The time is 8 h 36 min 03 s
